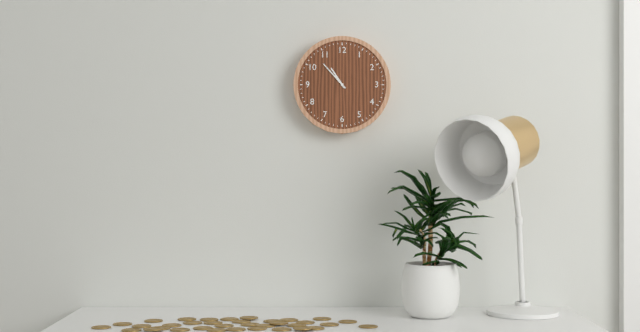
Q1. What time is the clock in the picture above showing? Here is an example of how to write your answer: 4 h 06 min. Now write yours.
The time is 10 h 53 min
